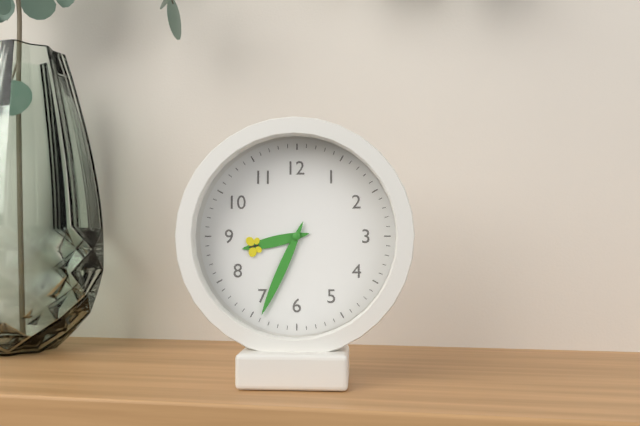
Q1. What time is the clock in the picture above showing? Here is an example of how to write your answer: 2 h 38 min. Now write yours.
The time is 8 h 34 min
